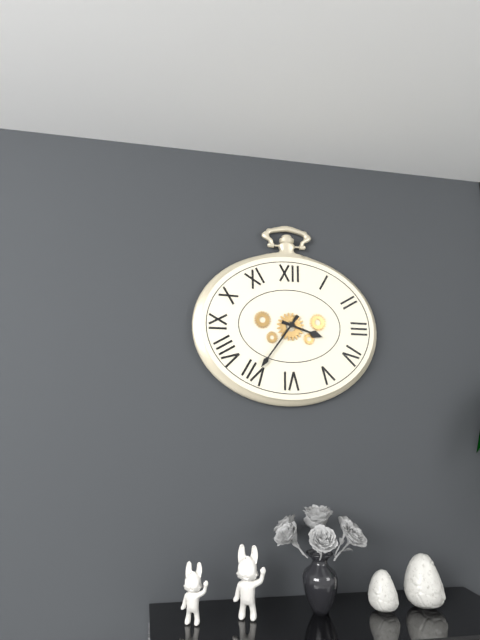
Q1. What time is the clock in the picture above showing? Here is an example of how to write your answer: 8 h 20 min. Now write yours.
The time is 3 h 36 min
